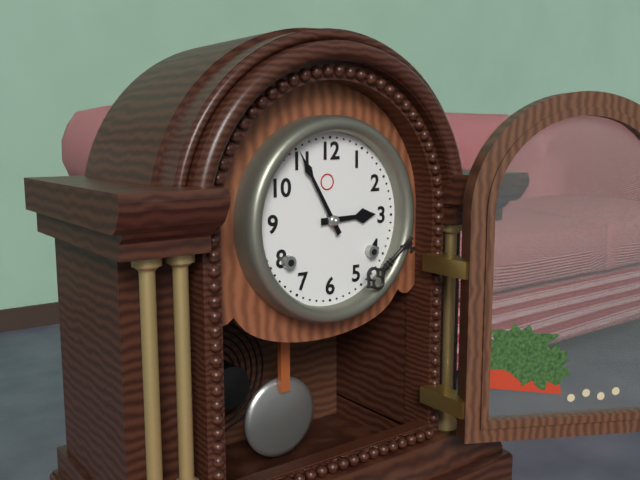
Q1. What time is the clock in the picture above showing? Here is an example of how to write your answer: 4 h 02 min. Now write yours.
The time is 2 h 55 min
